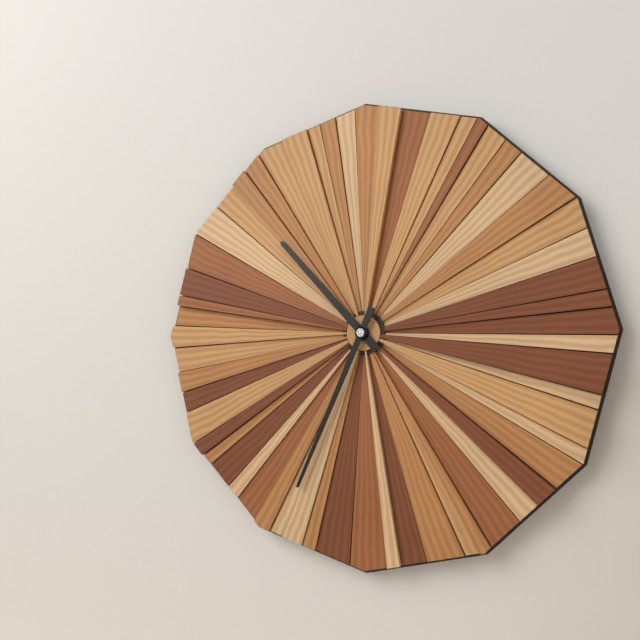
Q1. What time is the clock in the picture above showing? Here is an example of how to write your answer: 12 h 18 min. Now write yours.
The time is 10 h 34 min
